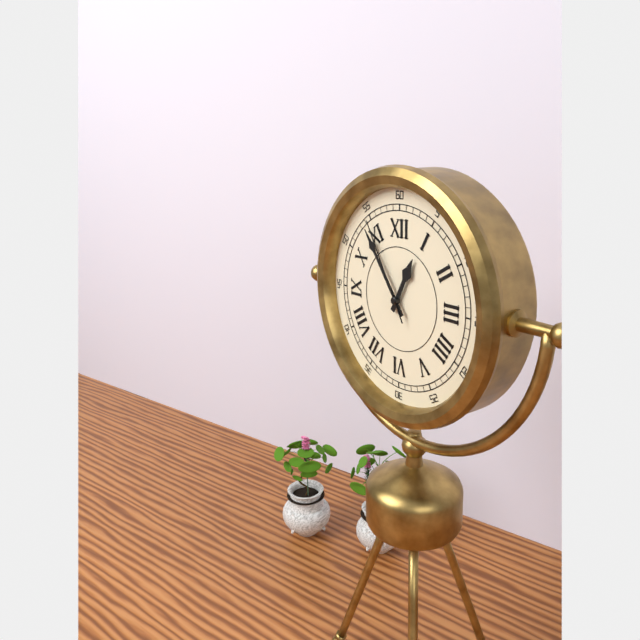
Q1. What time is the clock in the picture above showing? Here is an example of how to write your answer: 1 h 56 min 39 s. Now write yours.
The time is 12 h 54 min 55 s
